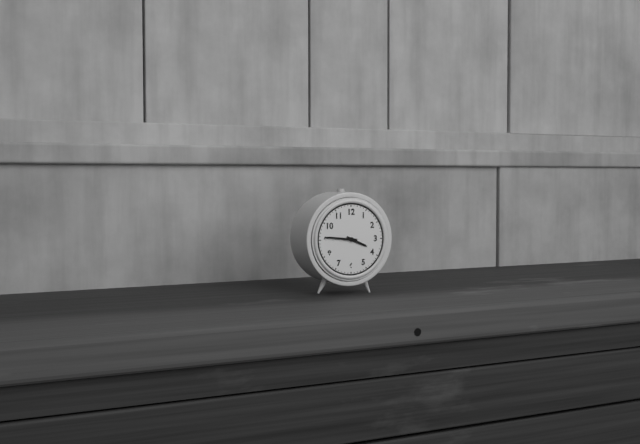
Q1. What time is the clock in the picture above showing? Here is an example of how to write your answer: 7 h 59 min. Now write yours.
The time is 3 h 46 min
